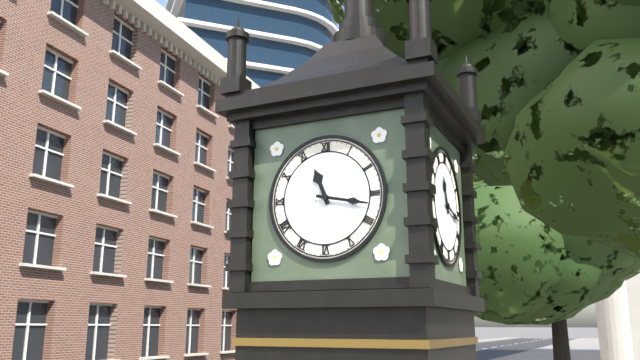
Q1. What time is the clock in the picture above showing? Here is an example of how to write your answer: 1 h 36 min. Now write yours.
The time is 11 h 17 min
